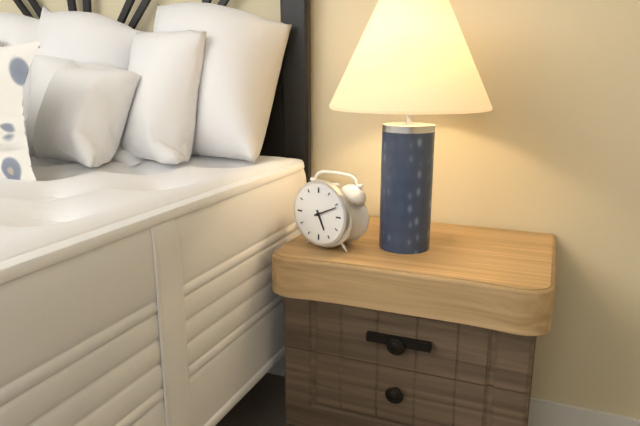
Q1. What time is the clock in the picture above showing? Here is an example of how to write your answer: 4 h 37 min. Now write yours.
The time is 5 h 11 min
